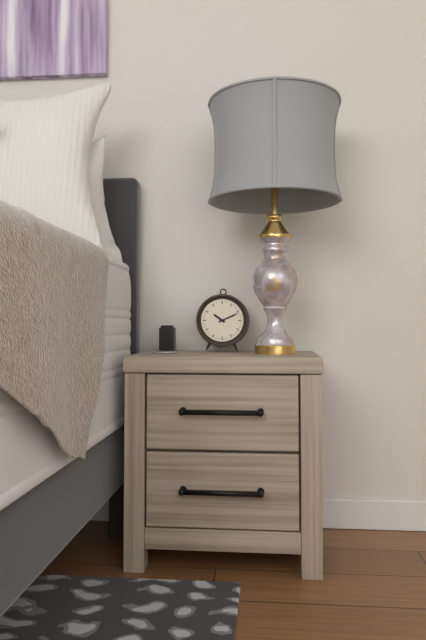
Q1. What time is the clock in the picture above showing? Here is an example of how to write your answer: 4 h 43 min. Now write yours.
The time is 10 h 11 min
